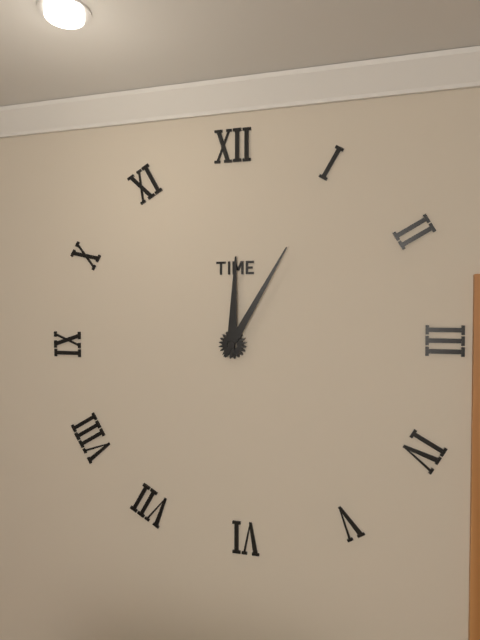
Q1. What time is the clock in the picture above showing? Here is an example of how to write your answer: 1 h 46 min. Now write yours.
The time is 12 h 05 min
